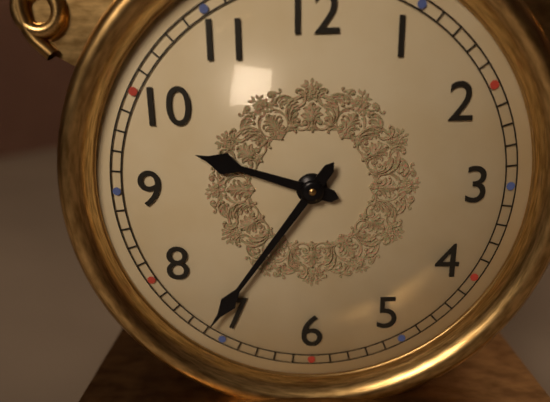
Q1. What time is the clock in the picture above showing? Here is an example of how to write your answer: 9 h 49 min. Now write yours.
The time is 9 h 36 min
